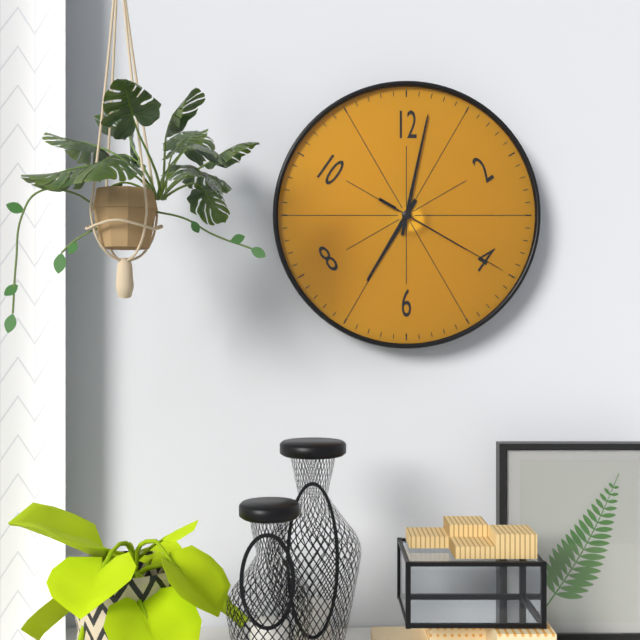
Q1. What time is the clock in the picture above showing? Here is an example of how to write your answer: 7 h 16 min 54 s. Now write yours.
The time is 7 h 02 min 20 s
